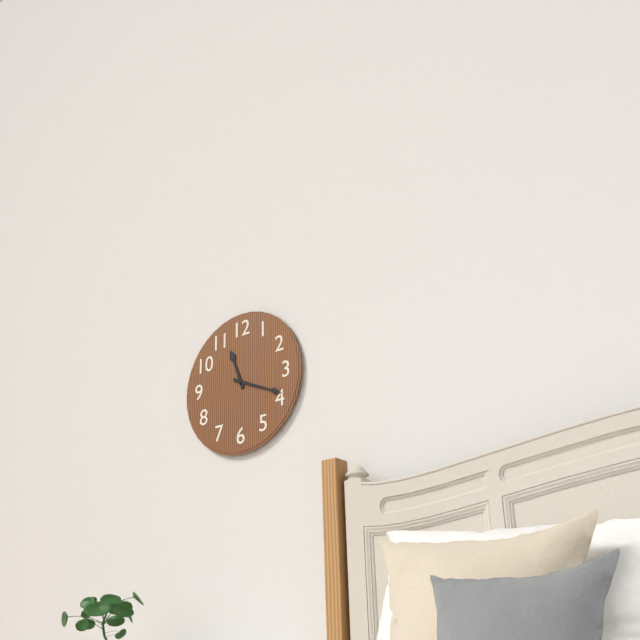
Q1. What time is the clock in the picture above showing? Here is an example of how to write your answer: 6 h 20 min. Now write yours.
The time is 11 h 19 min
